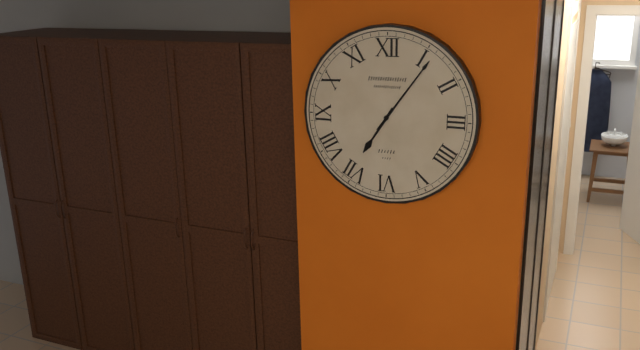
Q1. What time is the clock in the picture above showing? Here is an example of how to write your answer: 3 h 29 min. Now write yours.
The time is 7 h 06 min
